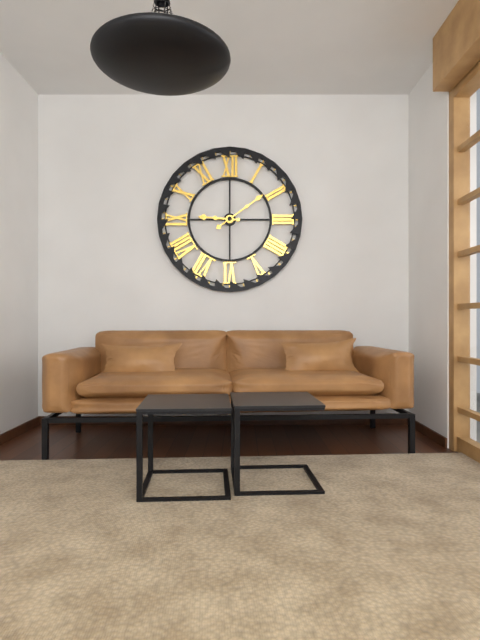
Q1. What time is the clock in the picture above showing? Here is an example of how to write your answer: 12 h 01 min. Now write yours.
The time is 9 h 09 min
